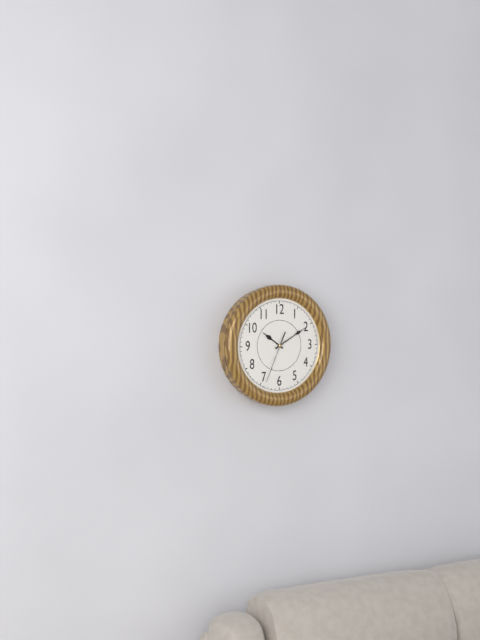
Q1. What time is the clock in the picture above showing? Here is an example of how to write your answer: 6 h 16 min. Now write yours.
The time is 10 h 10 min
